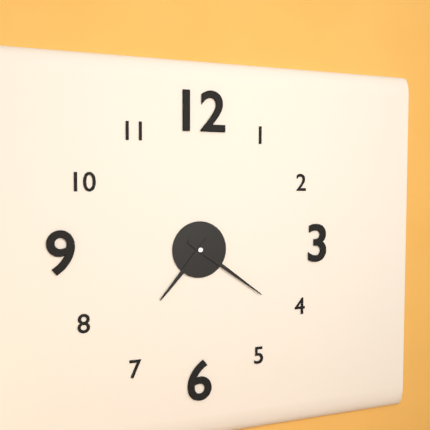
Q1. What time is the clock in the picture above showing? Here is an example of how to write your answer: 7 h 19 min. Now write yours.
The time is 7 h 21 min
